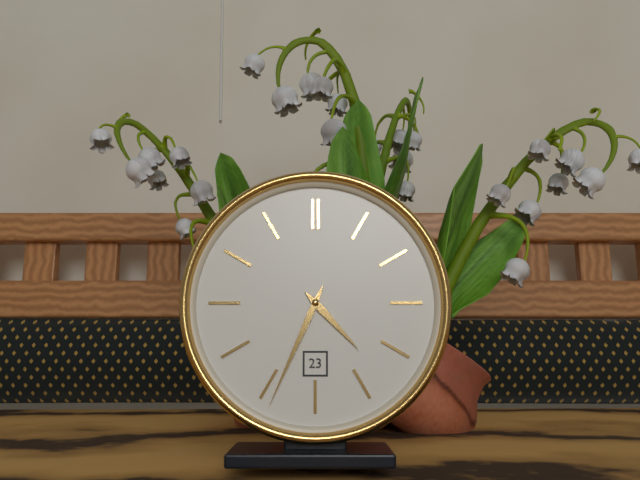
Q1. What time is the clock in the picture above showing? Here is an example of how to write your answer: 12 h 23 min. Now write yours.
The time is 4 h 34 min
